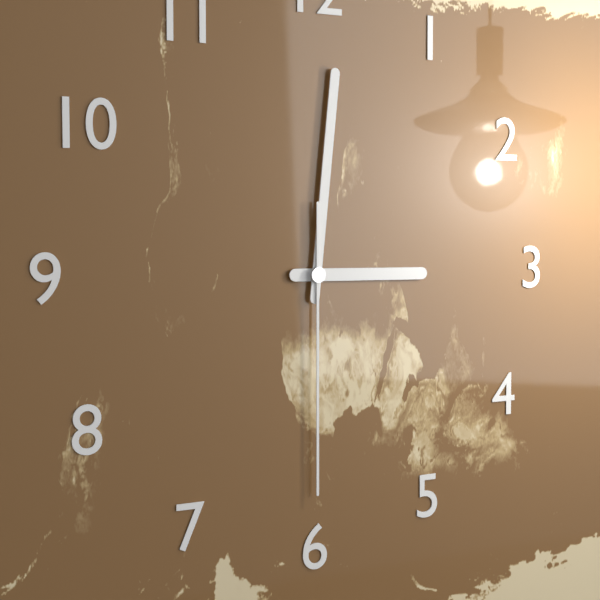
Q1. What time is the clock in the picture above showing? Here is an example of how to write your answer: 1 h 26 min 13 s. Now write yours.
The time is 3 h 01 min 30 s
